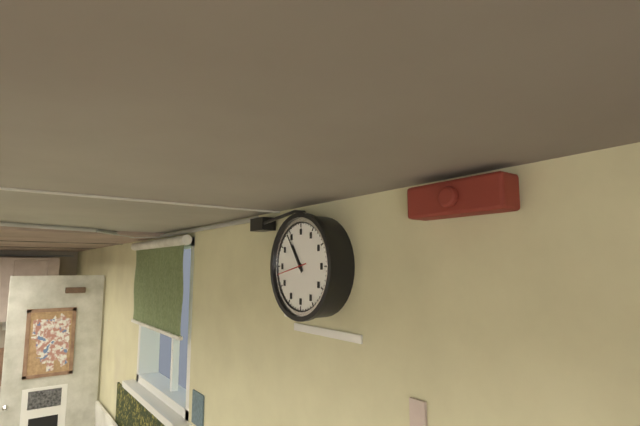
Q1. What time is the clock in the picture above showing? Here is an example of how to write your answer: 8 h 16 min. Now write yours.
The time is 10 h 54 min
